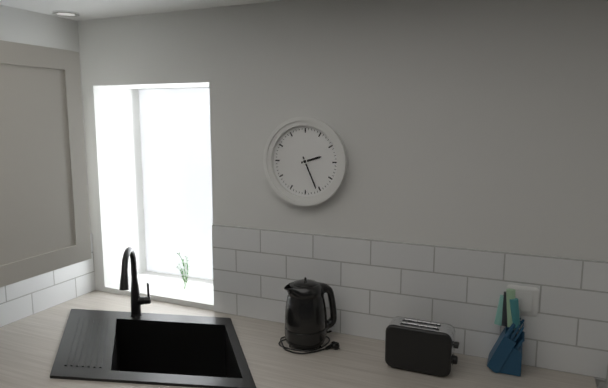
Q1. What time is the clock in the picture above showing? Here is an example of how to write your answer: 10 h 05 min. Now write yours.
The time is 2 h 26 min
